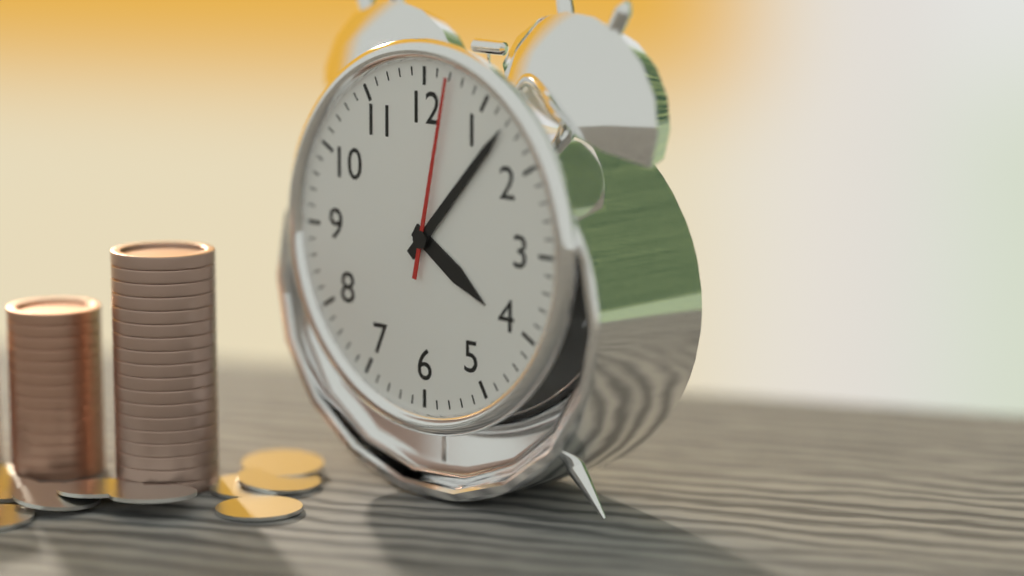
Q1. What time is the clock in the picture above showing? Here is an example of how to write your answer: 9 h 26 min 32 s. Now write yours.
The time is 4 h 07 min 02 s
